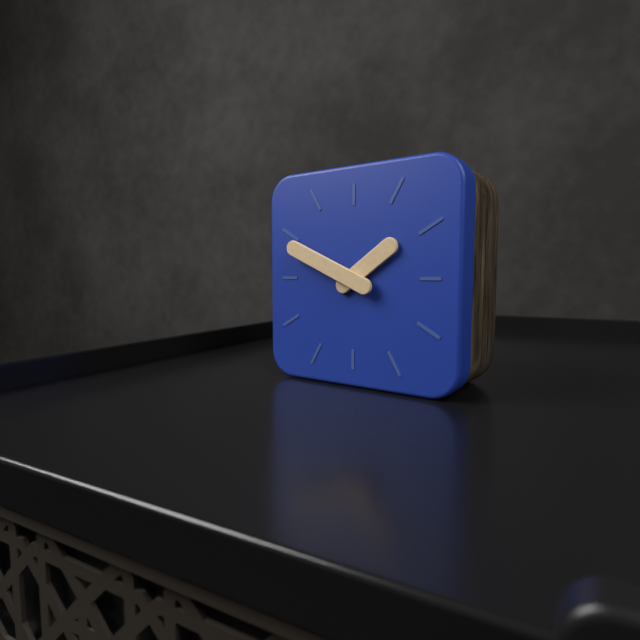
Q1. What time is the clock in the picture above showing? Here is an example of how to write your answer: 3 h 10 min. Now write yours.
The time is 1 h 49 min
